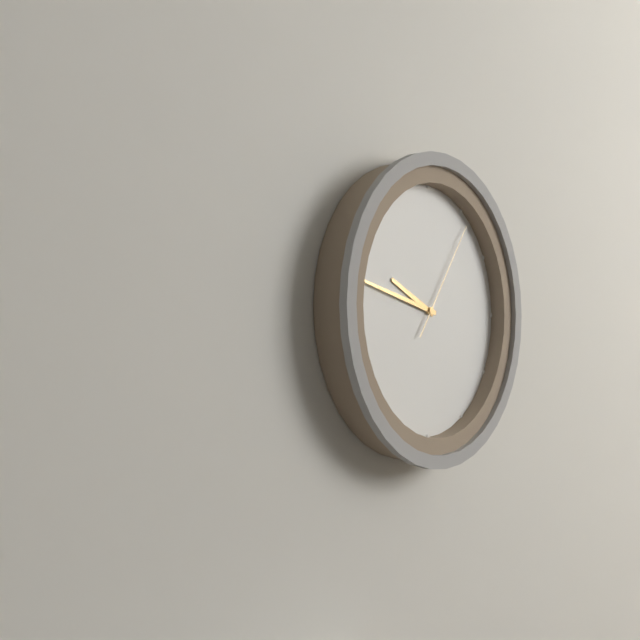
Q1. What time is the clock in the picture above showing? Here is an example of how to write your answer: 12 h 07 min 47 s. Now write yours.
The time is 9 h 47 min 06 s
